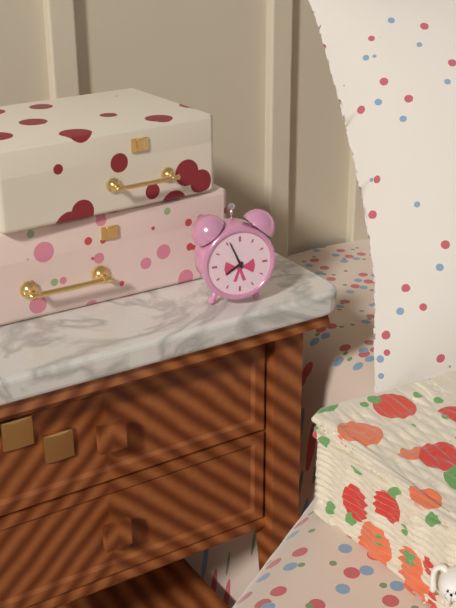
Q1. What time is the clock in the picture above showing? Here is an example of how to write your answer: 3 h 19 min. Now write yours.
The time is 7 h 56 min
